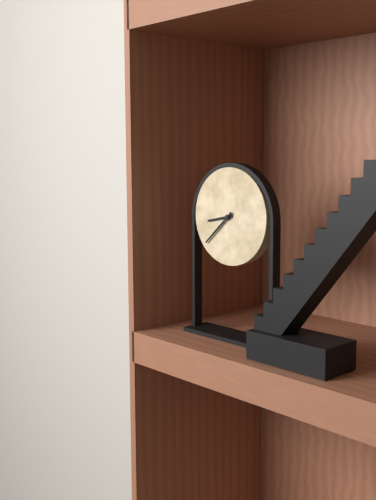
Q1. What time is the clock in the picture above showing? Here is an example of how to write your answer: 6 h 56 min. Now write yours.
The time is 8 h 38 min
